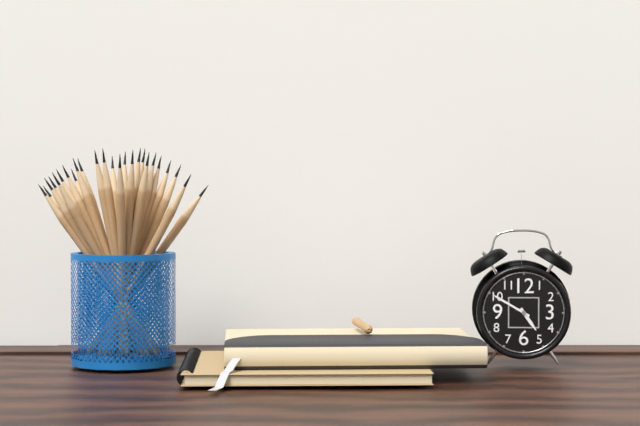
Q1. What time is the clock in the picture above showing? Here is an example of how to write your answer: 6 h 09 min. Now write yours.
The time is 4 h 50 min
